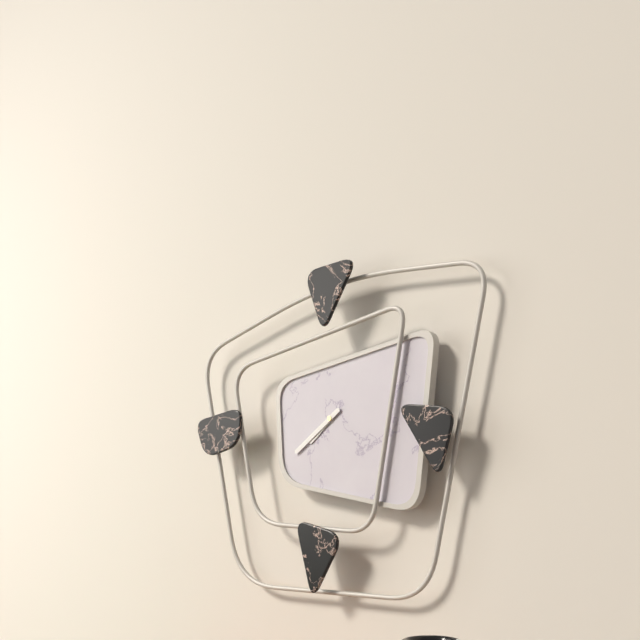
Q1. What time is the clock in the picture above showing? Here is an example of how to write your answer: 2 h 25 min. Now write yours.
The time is 7 h 39 min
